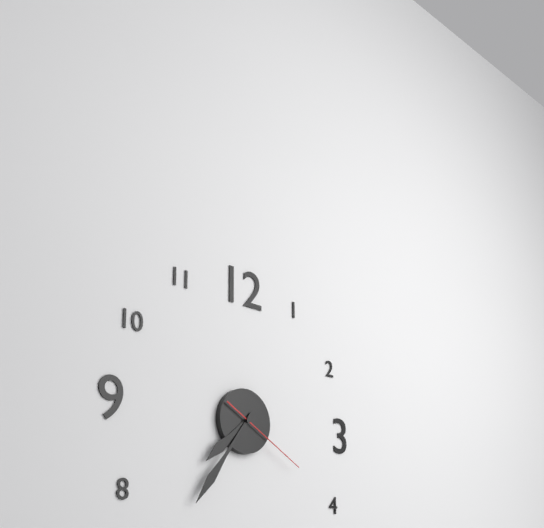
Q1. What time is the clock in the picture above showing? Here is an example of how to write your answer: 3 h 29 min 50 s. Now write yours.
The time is 7 h 36 min 20 s
